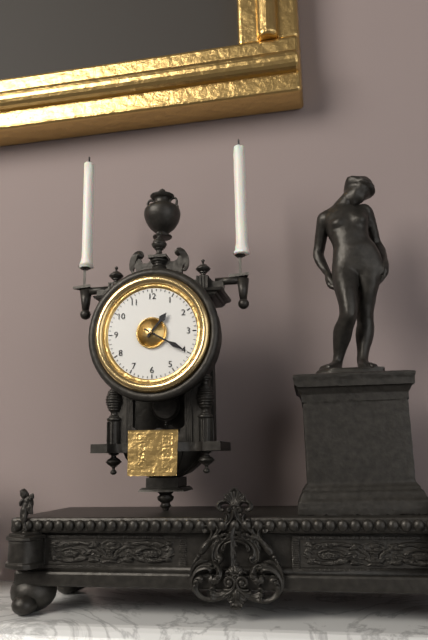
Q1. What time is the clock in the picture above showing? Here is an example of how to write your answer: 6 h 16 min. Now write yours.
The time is 1 h 20 min
